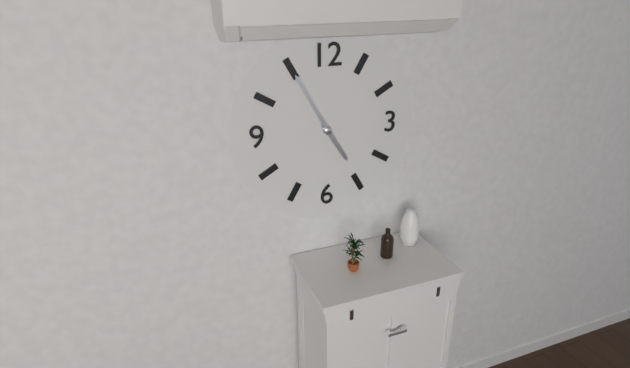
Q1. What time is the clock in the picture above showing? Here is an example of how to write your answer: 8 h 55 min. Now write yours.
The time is 4 h 55 min
